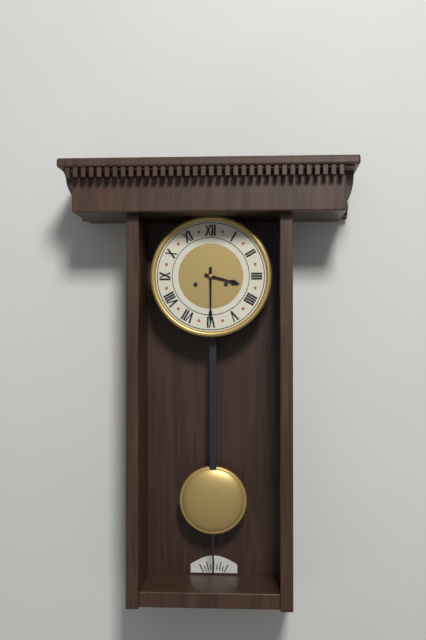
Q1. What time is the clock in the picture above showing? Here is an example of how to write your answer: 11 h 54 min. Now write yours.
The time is 3 h 30 min
